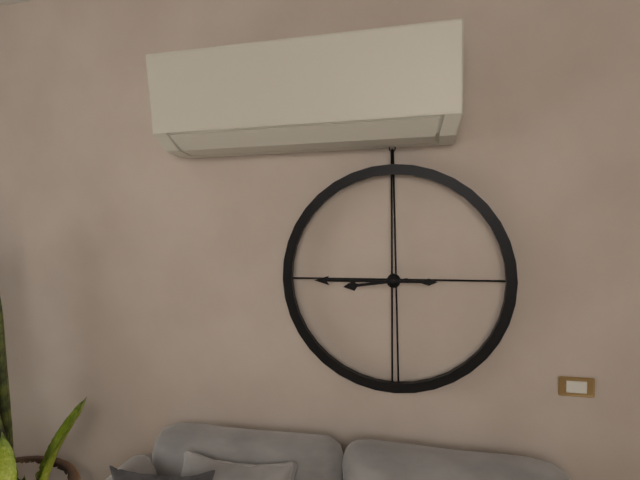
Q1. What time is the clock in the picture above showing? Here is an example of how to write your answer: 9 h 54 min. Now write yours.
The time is 8 h 45 min
